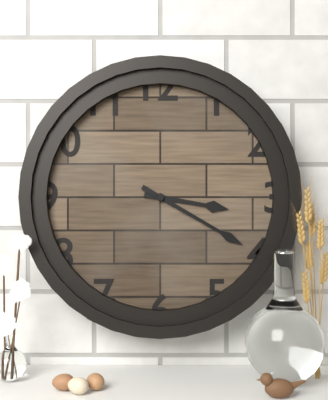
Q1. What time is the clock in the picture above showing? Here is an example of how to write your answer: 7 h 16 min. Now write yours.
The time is 3 h 20 min
